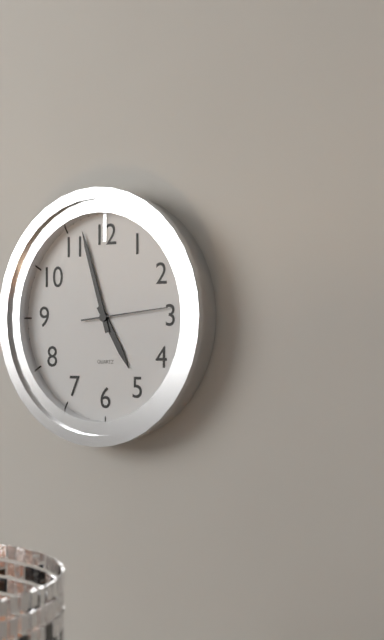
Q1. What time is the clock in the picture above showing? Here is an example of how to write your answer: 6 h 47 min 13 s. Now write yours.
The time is 4 h 57 min 14 s
